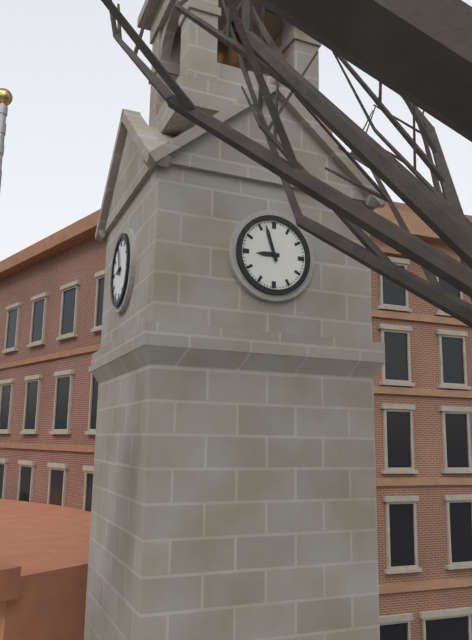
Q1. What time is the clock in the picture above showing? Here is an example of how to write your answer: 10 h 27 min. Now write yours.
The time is 8 h 57 min
